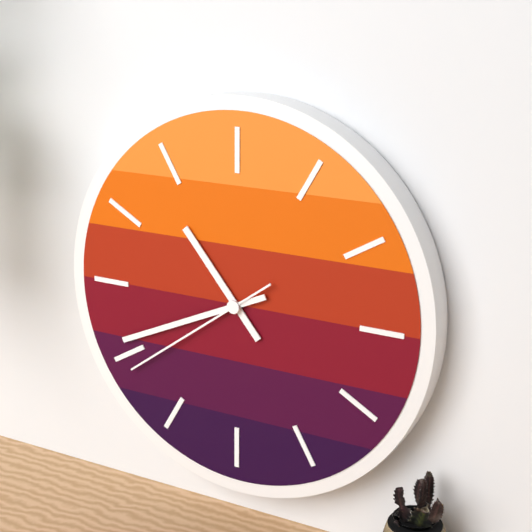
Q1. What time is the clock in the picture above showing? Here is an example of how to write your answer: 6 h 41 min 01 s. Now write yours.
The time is 10 h 41 min 39 s
